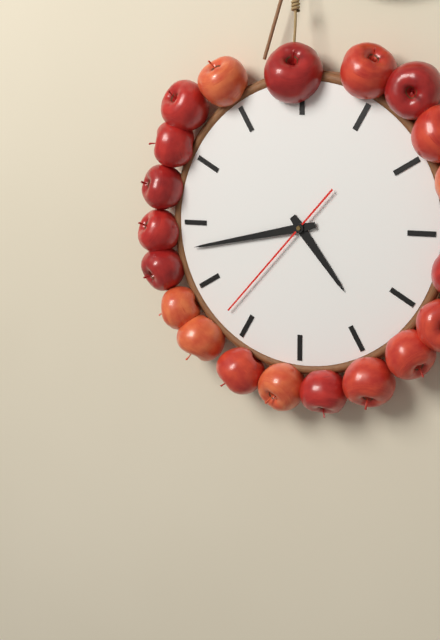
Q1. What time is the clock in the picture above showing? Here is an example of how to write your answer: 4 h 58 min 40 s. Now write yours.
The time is 4 h 43 min 37 s
